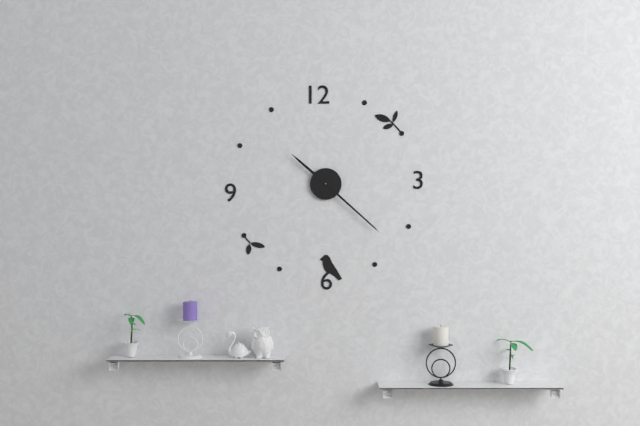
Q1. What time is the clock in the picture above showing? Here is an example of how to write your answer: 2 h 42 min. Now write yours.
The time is 10 h 22 min
